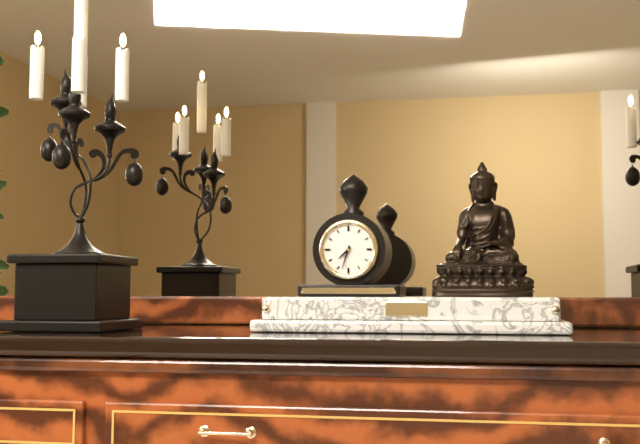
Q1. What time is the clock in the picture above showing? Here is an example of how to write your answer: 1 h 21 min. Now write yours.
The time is 7 h 33 min
